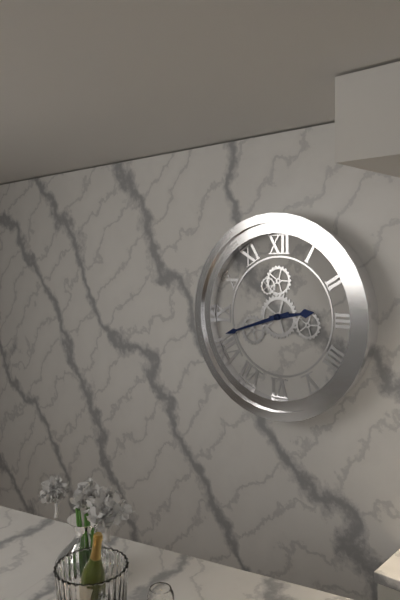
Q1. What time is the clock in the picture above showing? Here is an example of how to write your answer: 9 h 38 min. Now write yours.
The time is 2 h 42 min
